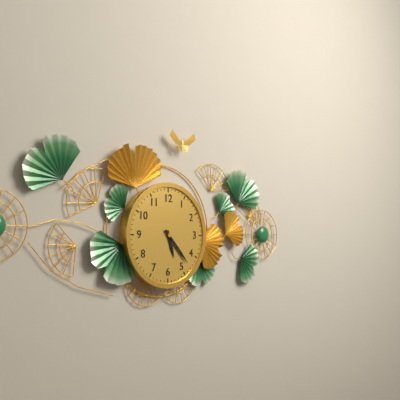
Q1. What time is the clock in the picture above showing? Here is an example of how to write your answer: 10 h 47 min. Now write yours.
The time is 5 h 23 min
